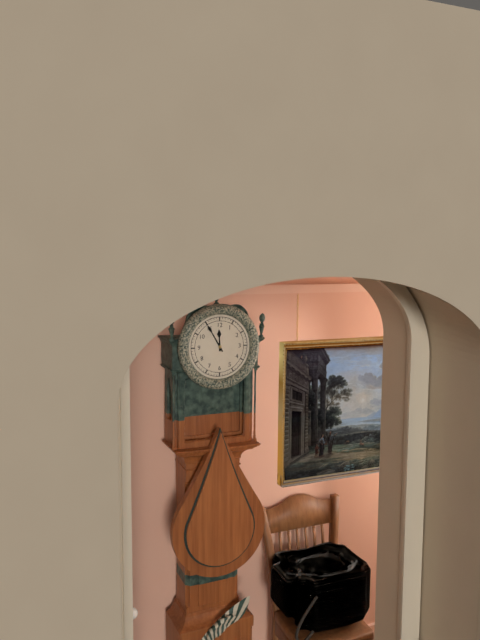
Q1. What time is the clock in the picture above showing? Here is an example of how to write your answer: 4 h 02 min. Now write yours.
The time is 11 h 55 min
